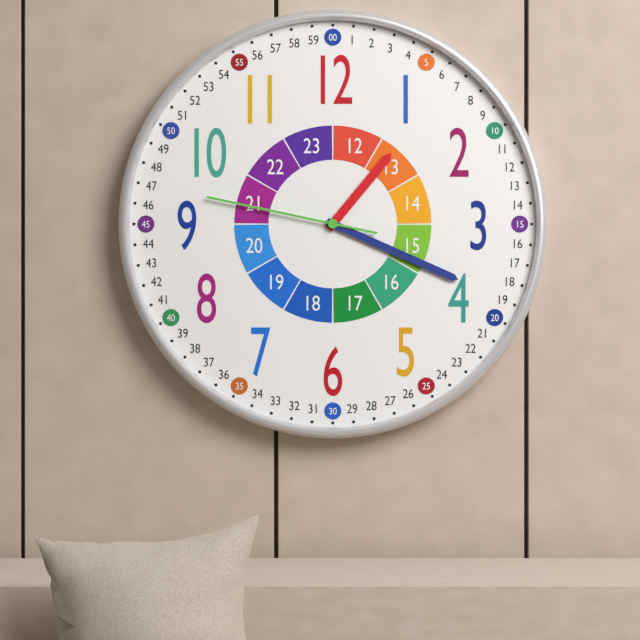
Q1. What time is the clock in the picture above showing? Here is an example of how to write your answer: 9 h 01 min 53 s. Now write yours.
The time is 1 h 19 min 47 s
